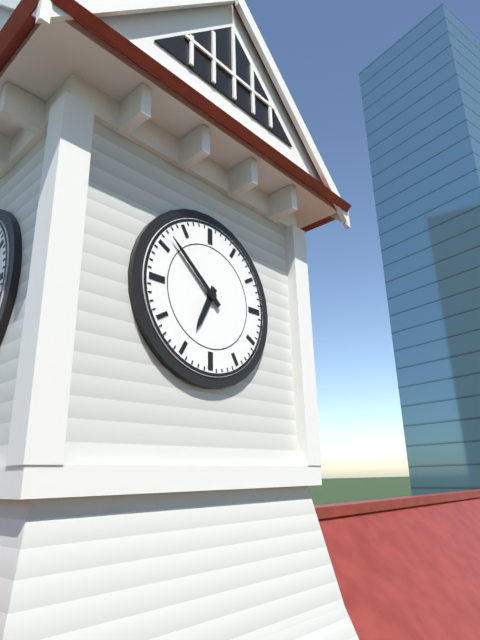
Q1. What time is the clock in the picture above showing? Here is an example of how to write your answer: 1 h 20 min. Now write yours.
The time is 6 h 52 min
